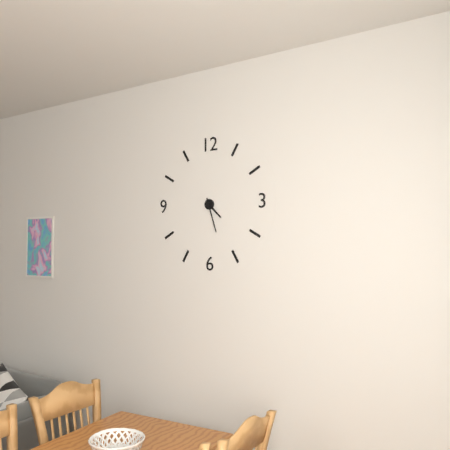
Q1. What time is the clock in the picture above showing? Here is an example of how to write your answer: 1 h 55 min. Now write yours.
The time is 4 h 27 min
